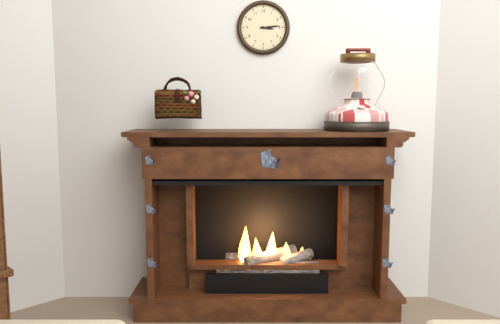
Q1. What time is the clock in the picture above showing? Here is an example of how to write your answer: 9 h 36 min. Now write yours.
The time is 3 h 14 min
